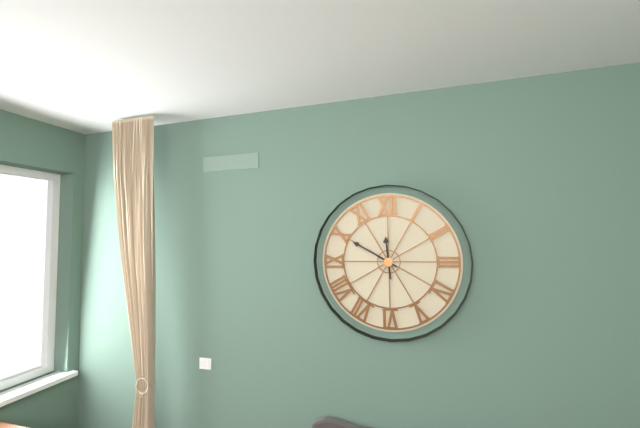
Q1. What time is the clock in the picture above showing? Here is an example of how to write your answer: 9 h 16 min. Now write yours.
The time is 11 h 50 min
